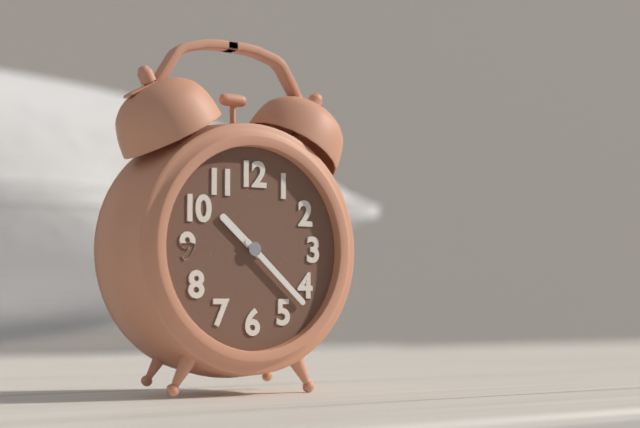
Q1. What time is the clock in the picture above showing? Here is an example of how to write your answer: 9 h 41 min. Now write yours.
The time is 10 h 22 min
